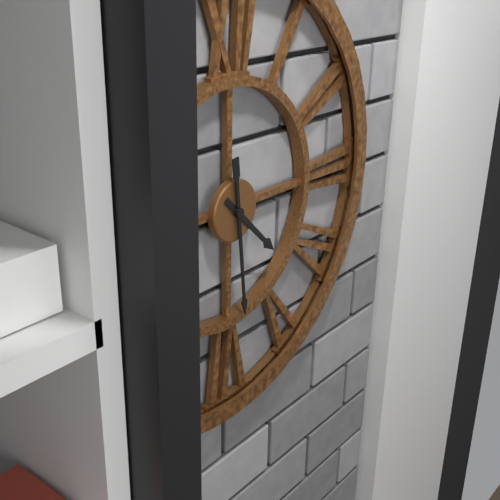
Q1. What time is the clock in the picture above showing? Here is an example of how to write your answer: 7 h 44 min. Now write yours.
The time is 4 h 29 min
